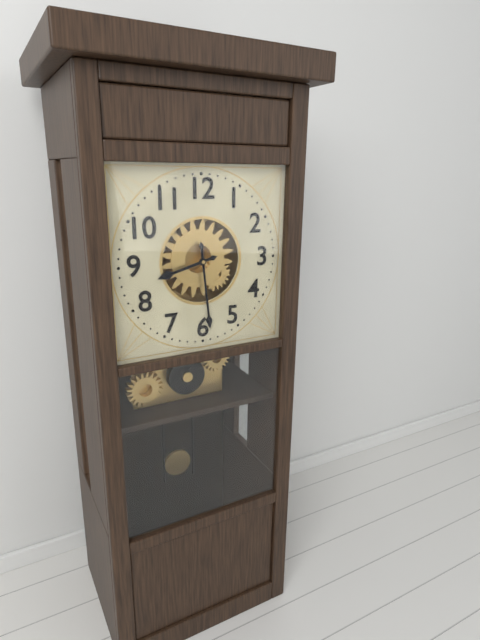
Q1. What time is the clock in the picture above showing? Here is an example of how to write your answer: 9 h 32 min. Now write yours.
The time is 8 h 29 min
